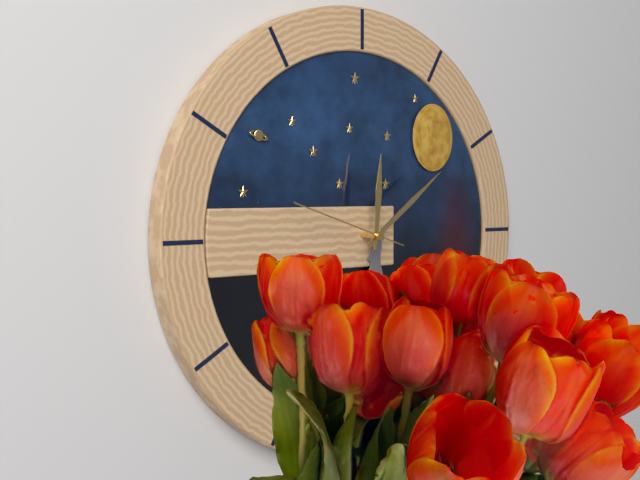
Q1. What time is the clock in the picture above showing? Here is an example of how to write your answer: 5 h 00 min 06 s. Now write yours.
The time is 12 h 09 min 48 s
